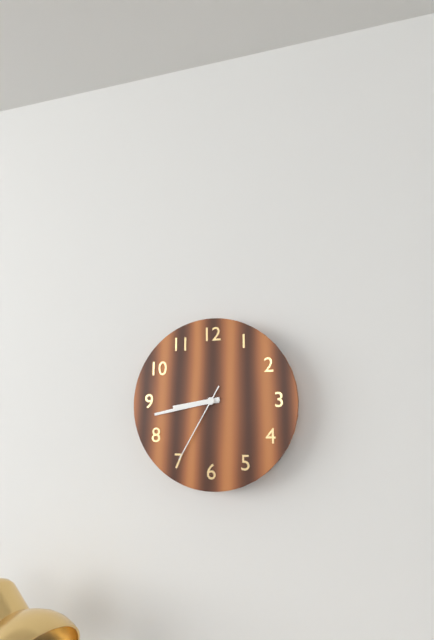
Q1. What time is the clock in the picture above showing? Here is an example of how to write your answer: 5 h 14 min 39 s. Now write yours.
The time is 8 h 43 min 35 s
